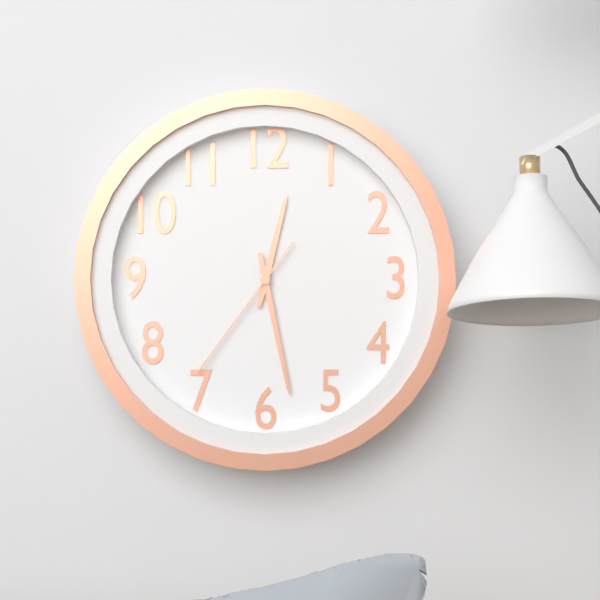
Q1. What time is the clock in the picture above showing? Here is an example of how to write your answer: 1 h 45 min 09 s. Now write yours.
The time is 12 h 28 min 36 s
